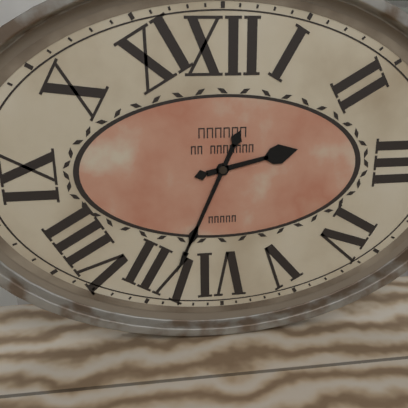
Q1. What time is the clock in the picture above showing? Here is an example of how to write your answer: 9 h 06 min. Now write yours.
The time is 2 h 34 min
